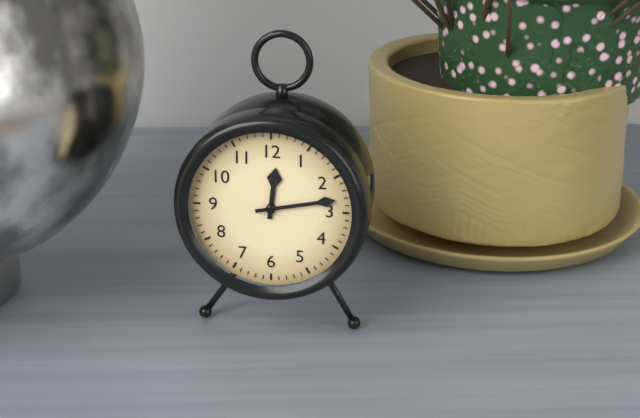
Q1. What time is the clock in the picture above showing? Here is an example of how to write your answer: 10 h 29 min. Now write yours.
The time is 12 h 13 min
